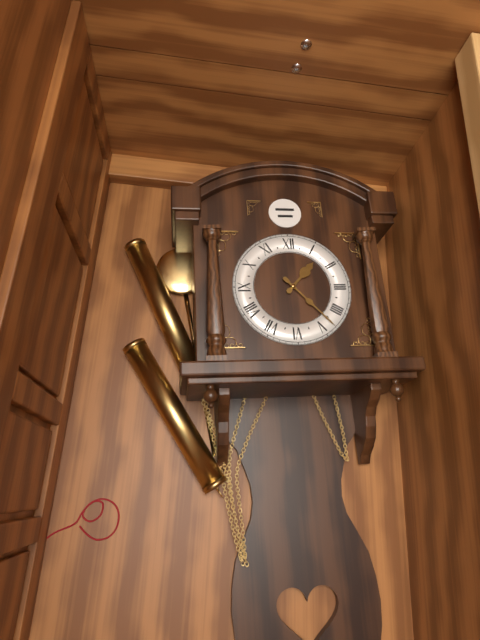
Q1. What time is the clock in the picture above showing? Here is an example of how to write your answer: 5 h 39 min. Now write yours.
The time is 1 h 23 min
